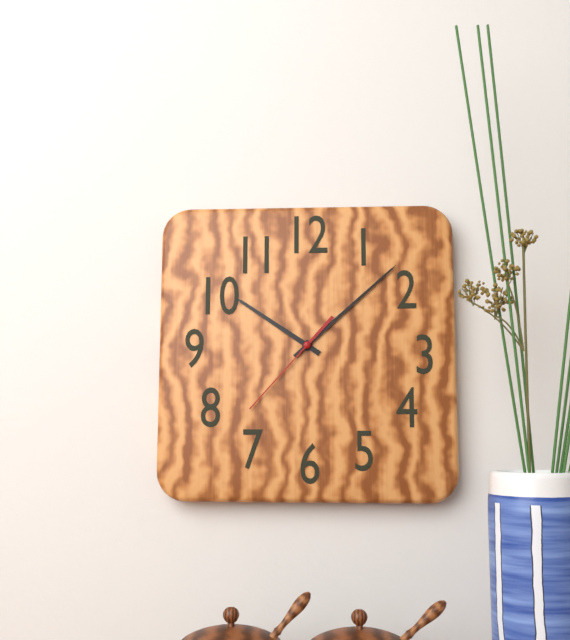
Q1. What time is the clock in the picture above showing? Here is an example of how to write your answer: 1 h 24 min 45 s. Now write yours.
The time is 10 h 08 min 37 s
